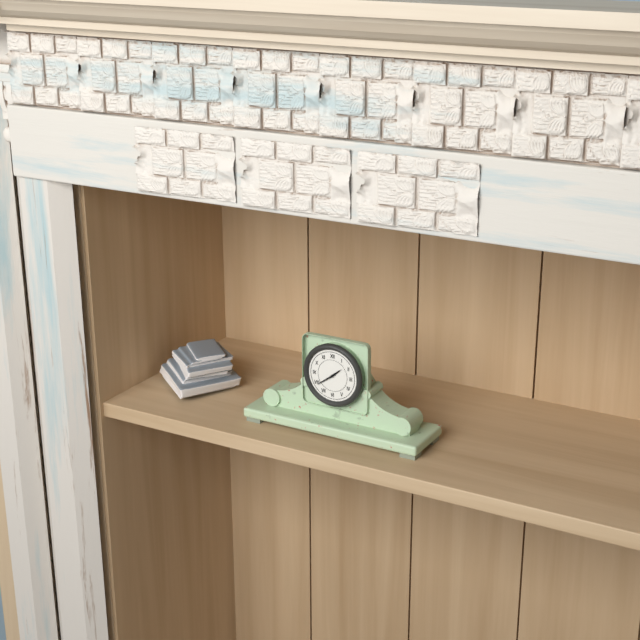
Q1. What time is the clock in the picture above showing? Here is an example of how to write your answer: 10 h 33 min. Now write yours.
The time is 1 h 39 min
